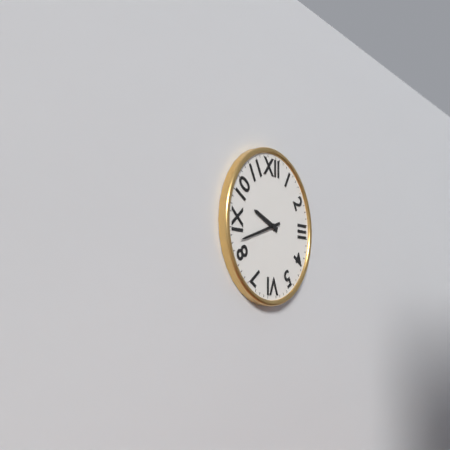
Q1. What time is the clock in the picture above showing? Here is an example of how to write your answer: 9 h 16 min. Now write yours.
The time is 9 h 42 min
